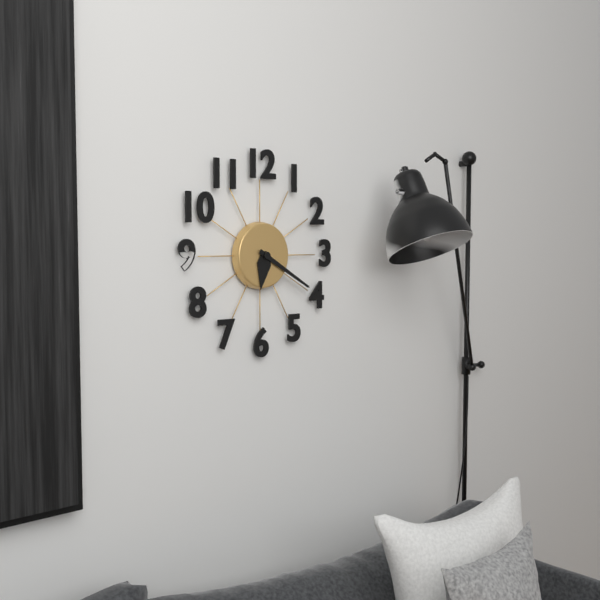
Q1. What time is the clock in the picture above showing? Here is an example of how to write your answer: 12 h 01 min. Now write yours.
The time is 6 h 20 min
